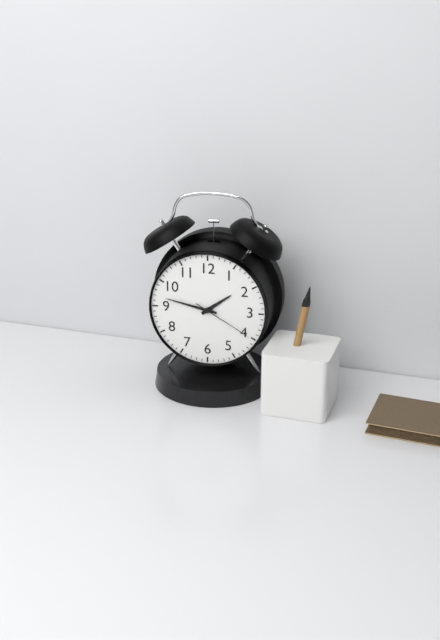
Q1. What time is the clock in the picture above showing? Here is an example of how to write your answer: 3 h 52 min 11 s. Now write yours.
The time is 1 h 47 min 20 s
